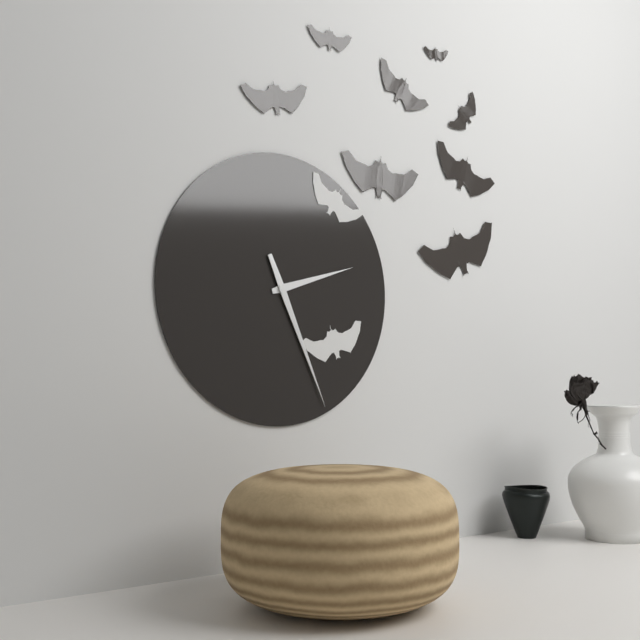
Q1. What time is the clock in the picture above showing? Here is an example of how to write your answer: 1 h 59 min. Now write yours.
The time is 2 h 26 min
